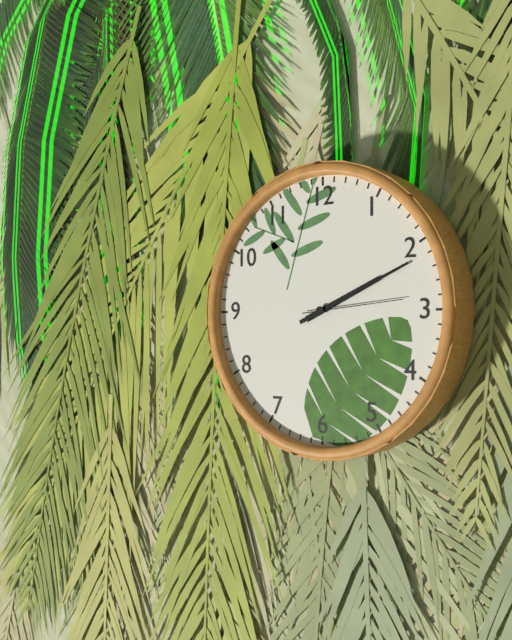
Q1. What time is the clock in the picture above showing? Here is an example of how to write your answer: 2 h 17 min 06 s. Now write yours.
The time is 2 h 11 min 14 s
